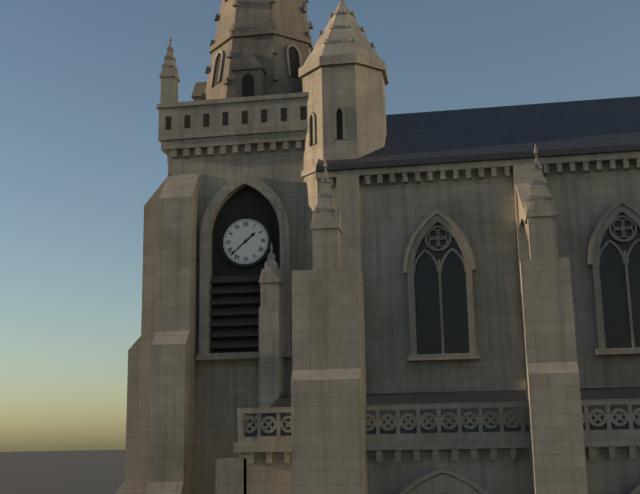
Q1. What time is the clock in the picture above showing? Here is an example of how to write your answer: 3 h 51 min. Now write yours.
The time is 1 h 38 min
